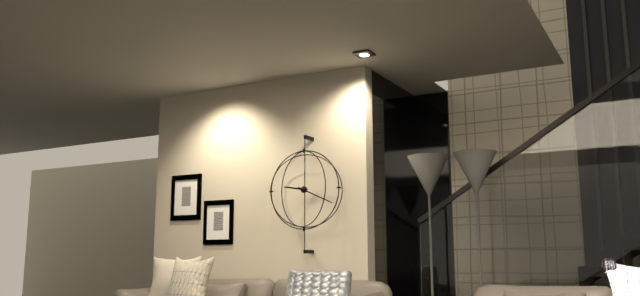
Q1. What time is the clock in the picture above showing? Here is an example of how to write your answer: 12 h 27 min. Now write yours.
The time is 9 h 19 min
